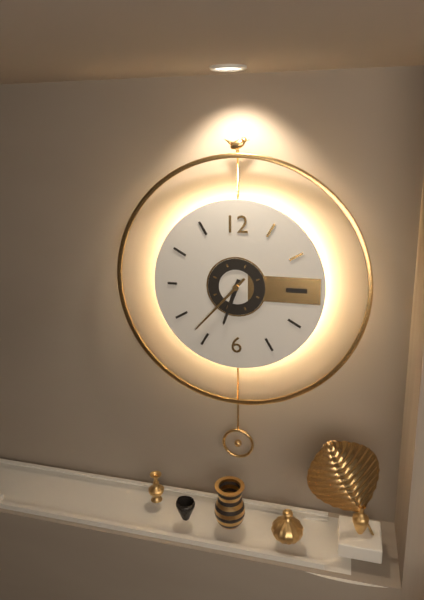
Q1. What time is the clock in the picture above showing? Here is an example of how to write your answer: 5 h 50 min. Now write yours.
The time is 6 h 37 min
